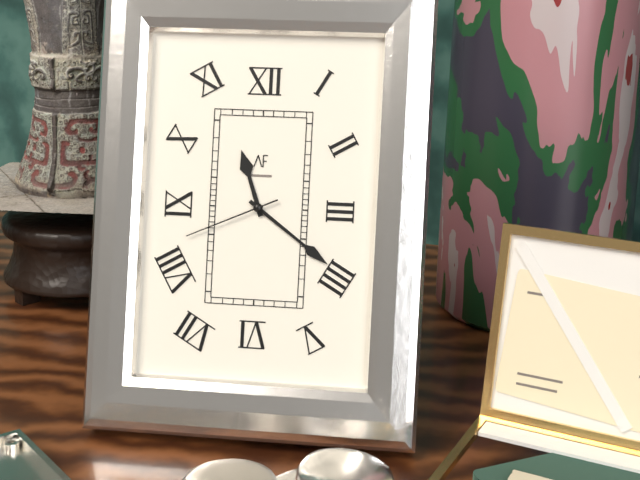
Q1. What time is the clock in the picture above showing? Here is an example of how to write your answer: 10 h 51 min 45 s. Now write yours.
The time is 11 h 21 min 41 s
